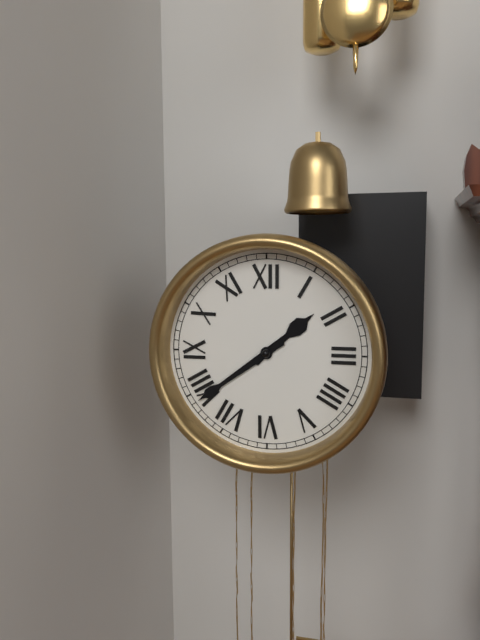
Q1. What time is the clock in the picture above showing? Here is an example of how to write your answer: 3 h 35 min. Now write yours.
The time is 1 h 39 min
